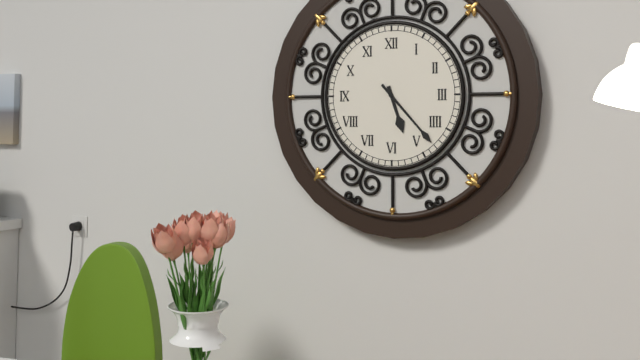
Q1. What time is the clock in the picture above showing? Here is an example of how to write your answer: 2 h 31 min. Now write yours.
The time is 5 h 23 min
